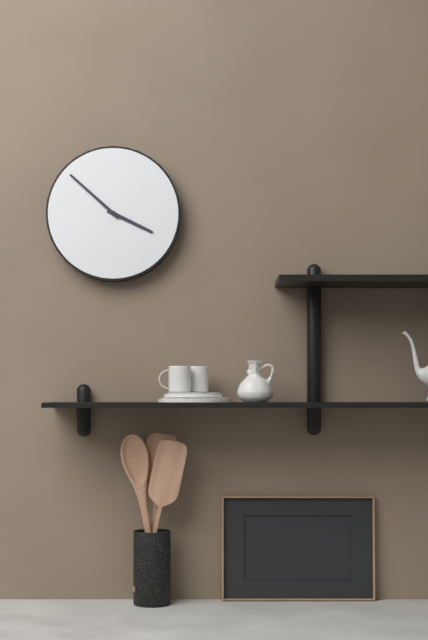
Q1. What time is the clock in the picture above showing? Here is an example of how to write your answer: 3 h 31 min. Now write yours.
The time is 3 h 52 min
